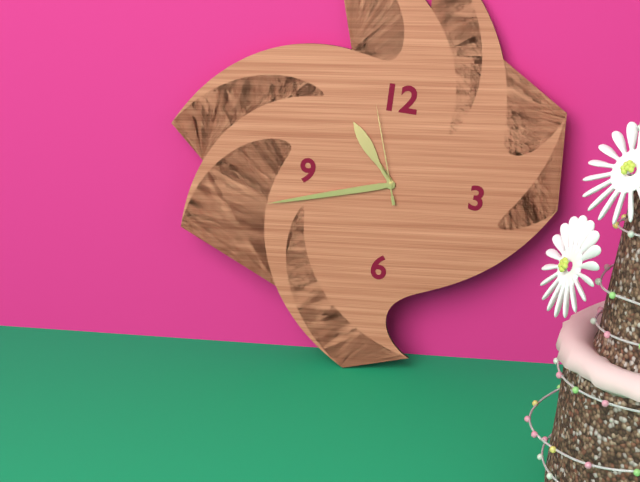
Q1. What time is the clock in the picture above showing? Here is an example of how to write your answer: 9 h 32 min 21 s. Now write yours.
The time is 10 h 42 min 57 s
